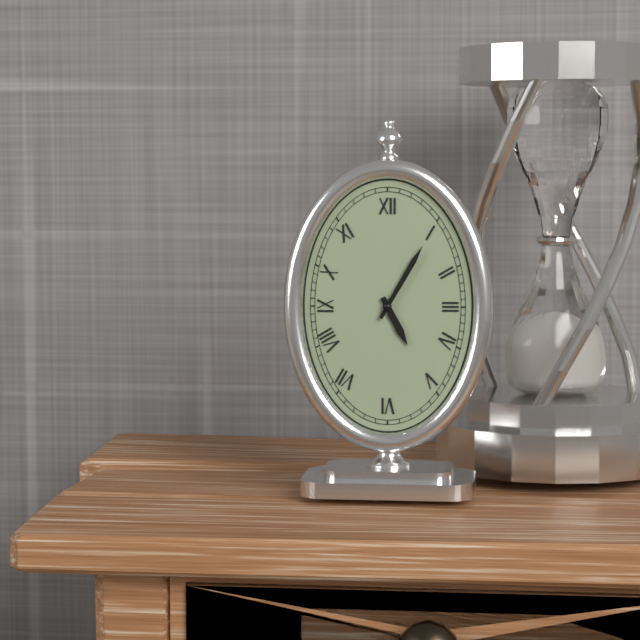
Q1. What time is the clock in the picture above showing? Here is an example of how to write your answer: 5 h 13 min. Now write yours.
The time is 5 h 05 min
